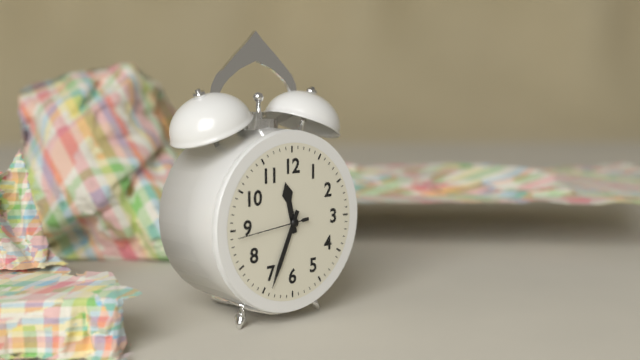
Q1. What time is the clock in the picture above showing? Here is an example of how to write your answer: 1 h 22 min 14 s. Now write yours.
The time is 11 h 34 min 44 s
